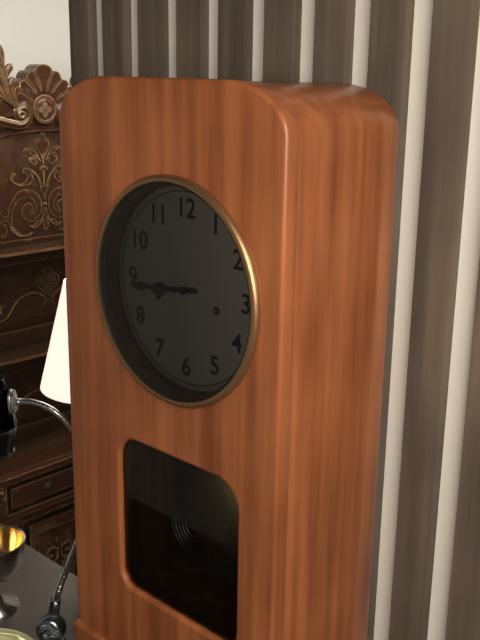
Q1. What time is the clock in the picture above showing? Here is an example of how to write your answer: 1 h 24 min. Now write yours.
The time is 8 h 44 min
